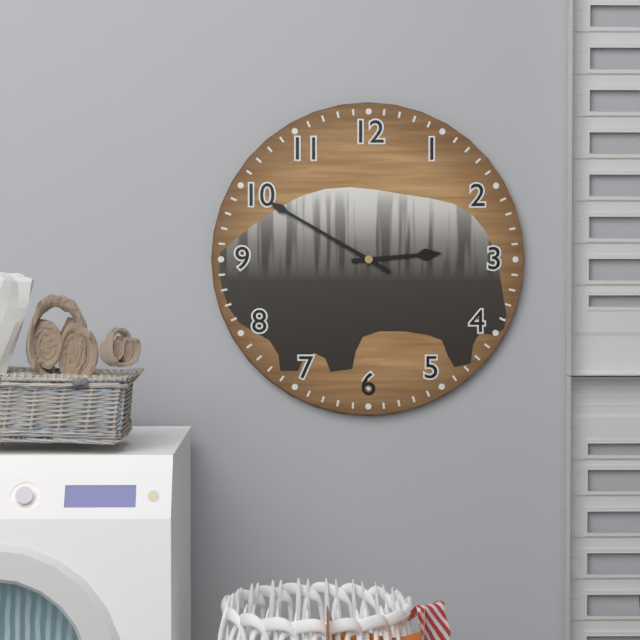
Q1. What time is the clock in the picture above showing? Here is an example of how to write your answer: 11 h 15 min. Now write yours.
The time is 2 h 50 min
